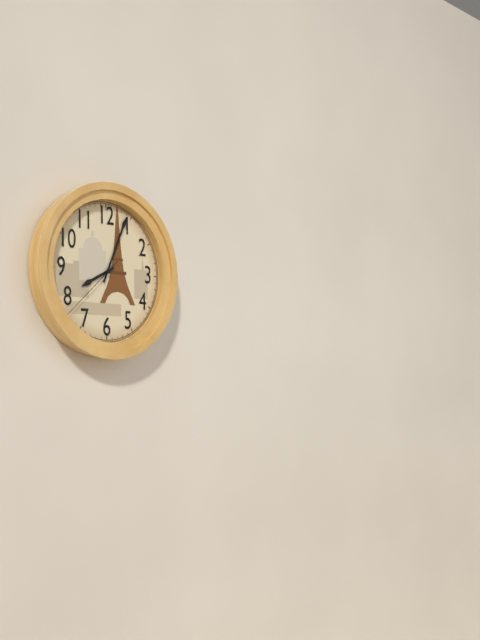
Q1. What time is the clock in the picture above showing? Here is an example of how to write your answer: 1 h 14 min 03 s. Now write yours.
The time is 8 h 04 min 38 s
